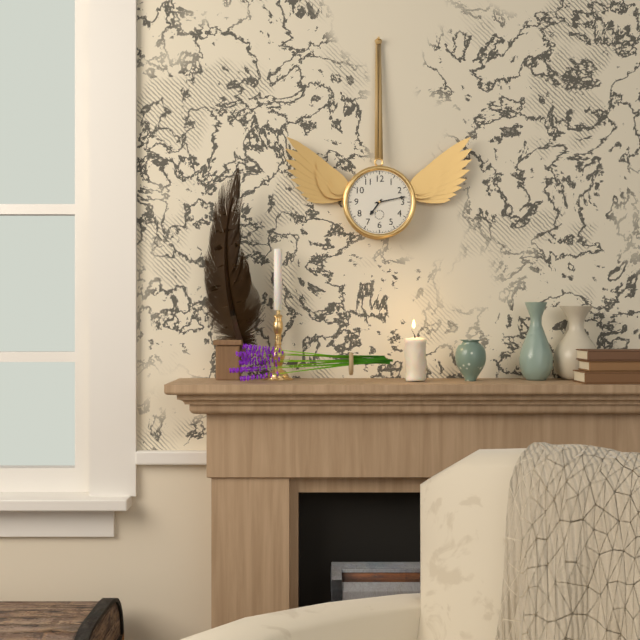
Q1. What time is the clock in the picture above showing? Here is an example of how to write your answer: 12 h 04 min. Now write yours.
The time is 7 h 13 min
